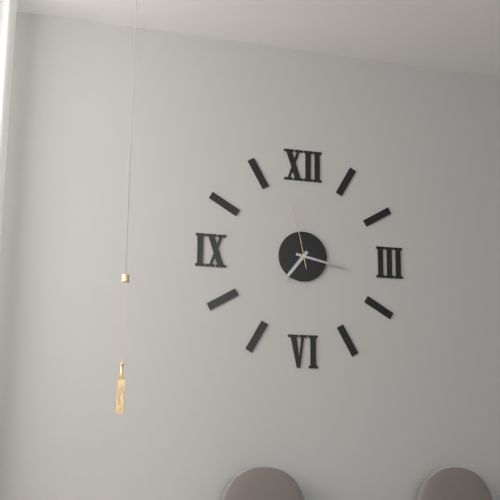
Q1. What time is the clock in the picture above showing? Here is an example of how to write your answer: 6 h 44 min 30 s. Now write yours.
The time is 7 h 17 min 58 s
